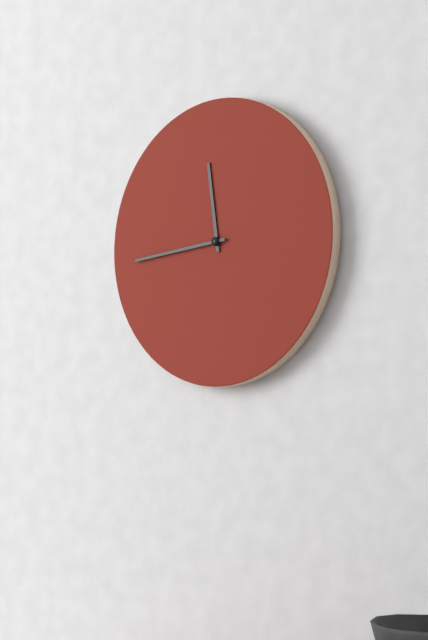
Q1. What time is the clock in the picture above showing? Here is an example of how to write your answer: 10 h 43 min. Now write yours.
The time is 11 h 44 min
